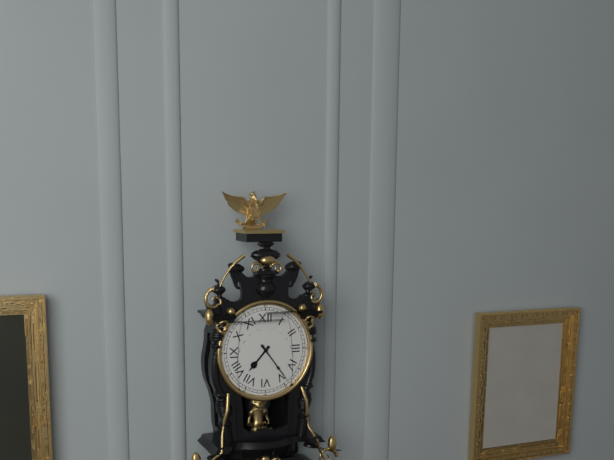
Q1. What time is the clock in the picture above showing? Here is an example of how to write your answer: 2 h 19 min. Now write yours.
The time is 7 h 24 min
